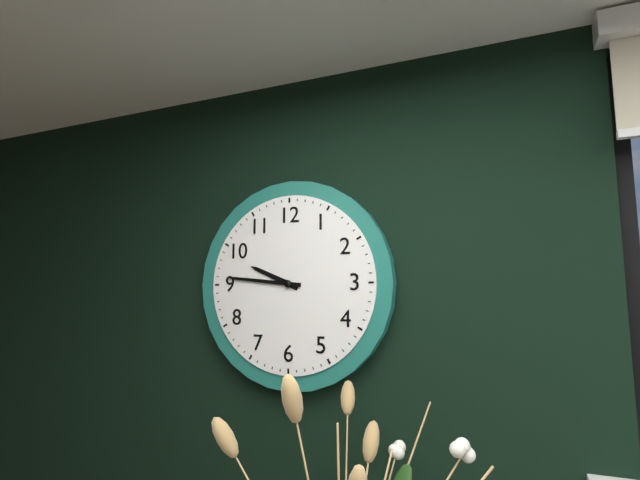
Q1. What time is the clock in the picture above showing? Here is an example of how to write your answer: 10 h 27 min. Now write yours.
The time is 9 h 46 min
